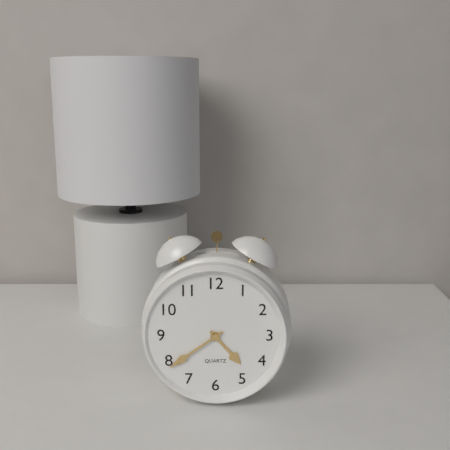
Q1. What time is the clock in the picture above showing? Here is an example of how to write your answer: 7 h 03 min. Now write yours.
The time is 4 h 39 min
